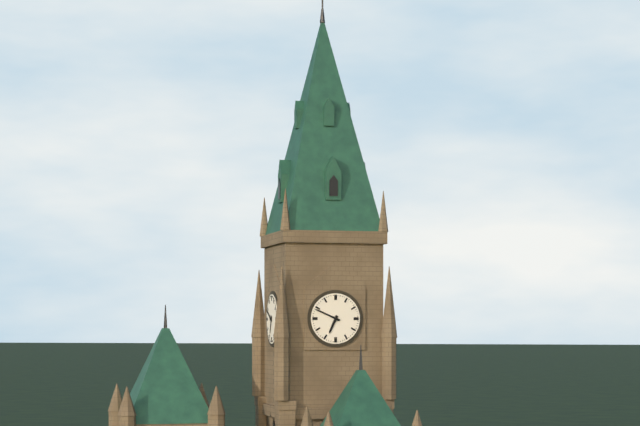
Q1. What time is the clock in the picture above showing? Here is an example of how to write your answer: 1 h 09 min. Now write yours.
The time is 6 h 49 min
